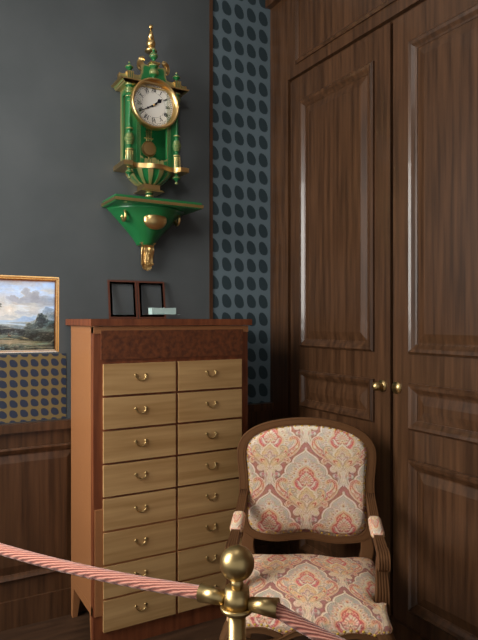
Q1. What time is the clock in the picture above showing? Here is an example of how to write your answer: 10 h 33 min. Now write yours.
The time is 1 h 40 min
